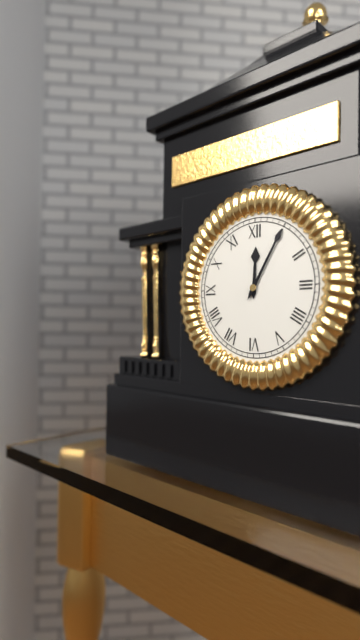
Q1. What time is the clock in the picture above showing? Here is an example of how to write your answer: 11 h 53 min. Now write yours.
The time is 12 h 05 min
